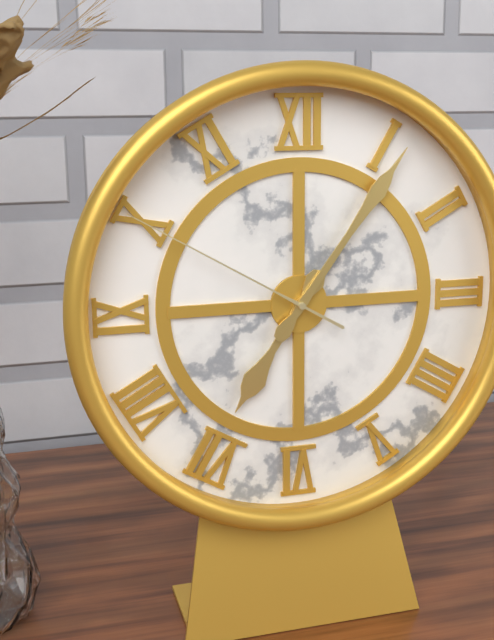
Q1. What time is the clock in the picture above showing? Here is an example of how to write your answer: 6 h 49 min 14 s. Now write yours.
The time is 7 h 06 min 50 s
